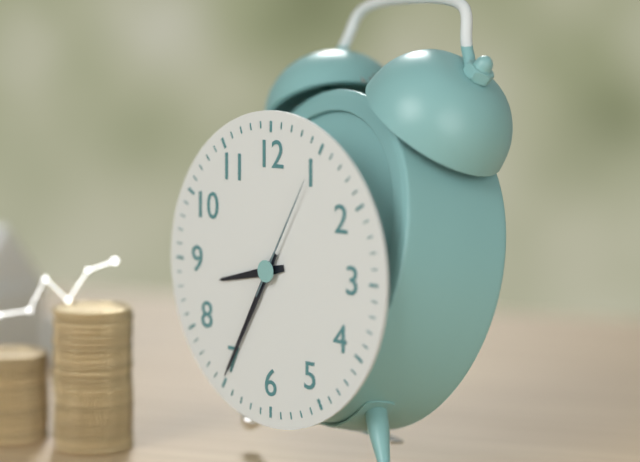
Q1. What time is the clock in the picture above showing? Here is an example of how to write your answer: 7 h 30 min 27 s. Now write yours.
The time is 8 h 35 min 05 s
